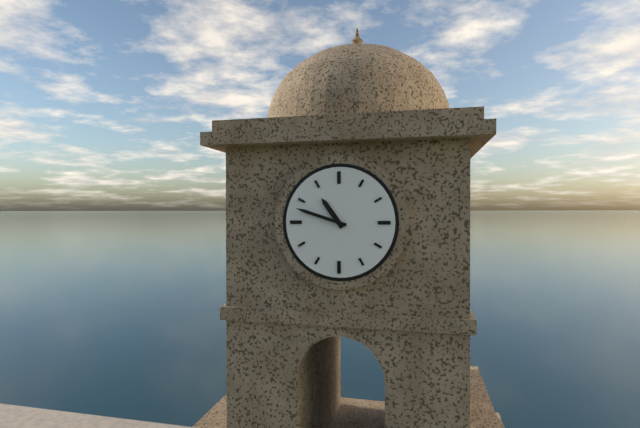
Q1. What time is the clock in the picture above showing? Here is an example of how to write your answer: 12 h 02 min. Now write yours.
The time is 10 h 48 min
